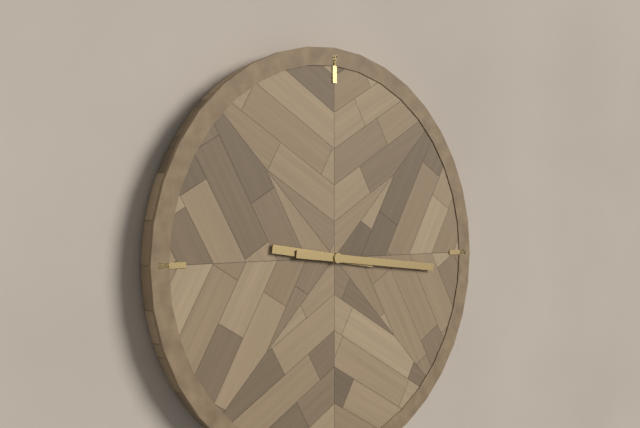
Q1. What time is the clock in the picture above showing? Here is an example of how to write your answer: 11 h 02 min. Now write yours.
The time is 9 h 16 min
